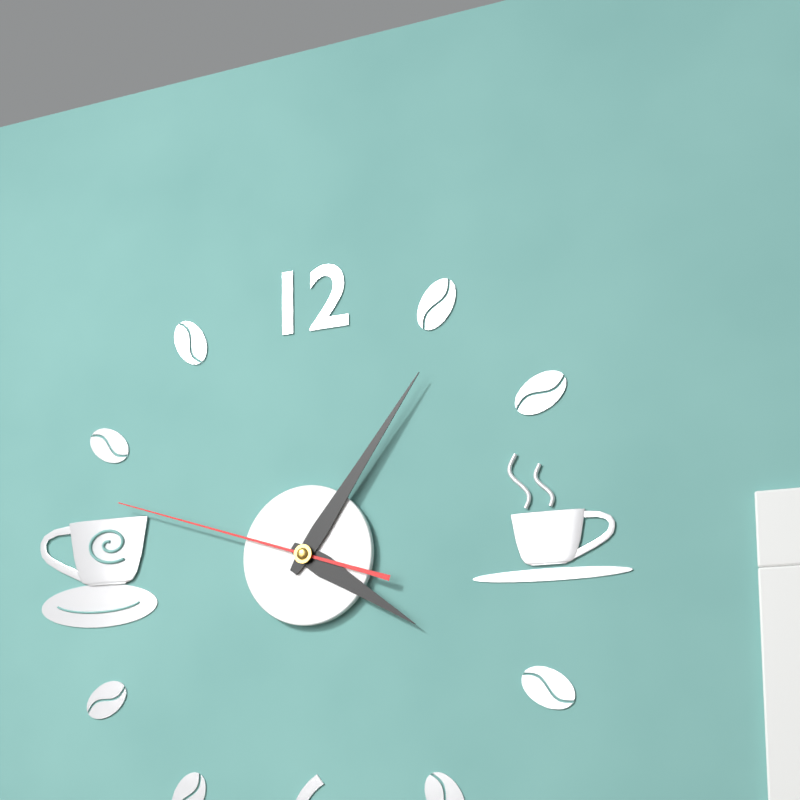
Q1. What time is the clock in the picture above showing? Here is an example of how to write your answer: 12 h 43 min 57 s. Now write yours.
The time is 4 h 06 min 48 s
